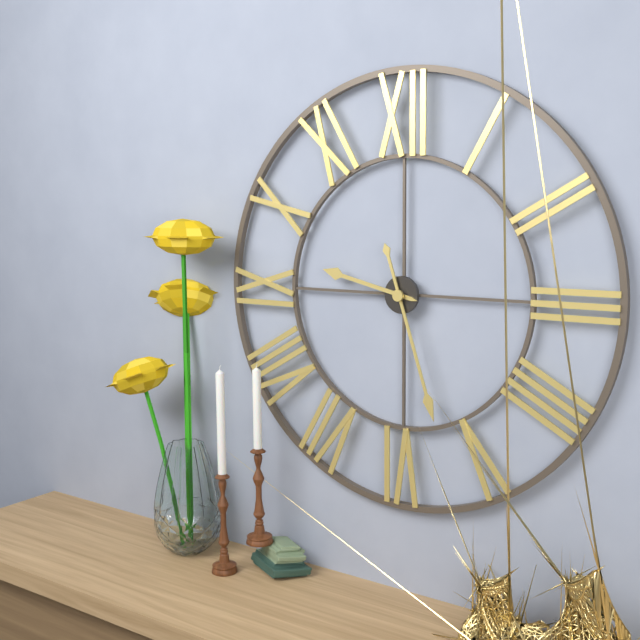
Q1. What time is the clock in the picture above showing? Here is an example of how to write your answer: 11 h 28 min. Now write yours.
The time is 9 h 27 min
